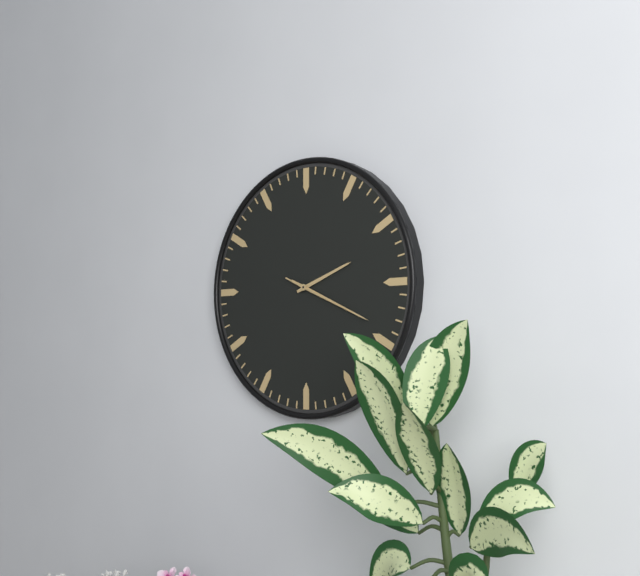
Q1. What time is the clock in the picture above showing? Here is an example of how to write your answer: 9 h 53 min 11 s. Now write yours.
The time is 2 h 19 min 19 s
